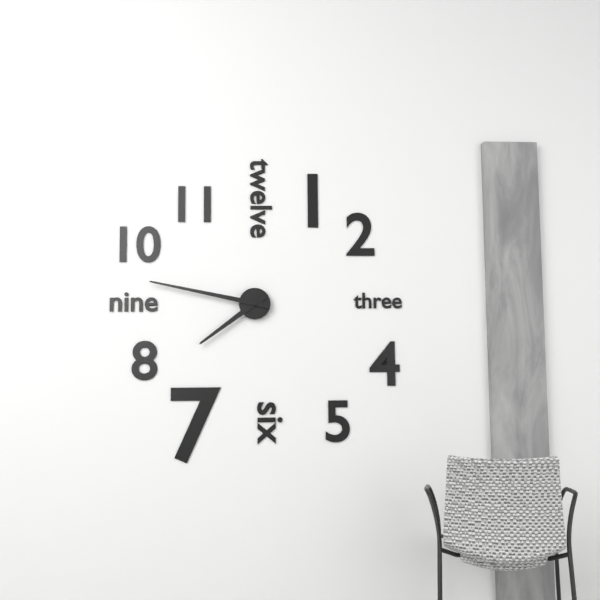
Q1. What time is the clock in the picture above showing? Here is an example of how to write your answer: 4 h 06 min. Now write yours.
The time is 7 h 47 min
